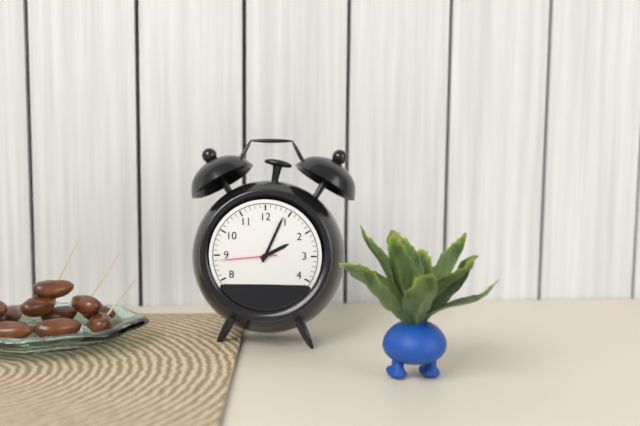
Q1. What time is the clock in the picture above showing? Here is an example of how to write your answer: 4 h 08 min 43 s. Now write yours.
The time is 2 h 04 min 44 s
